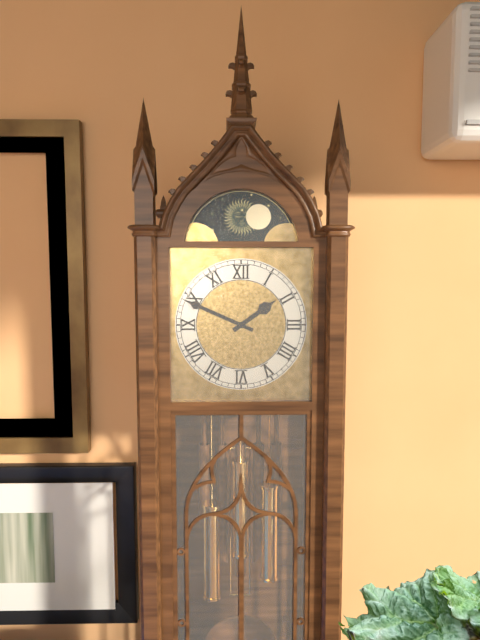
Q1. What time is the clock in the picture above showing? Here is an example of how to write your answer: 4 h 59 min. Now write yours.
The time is 1 h 49 min
